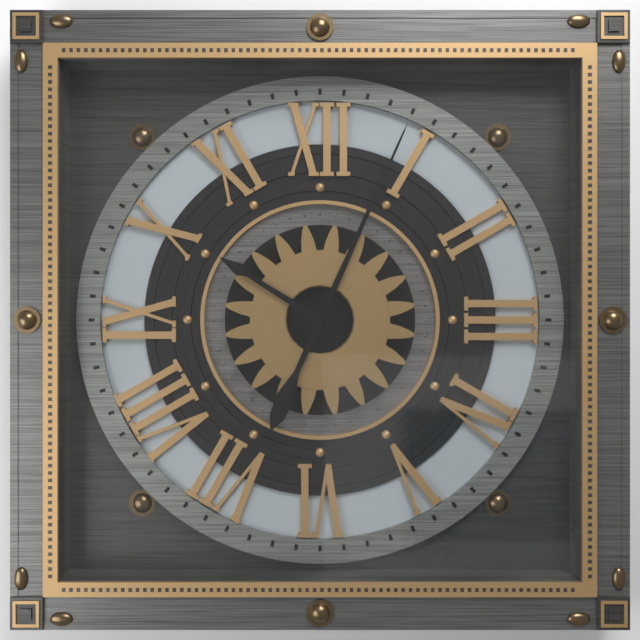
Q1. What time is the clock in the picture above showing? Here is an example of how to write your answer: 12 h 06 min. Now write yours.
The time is 10 h 04 min
